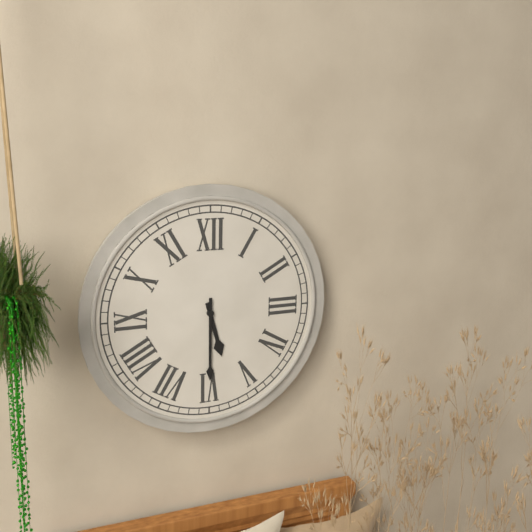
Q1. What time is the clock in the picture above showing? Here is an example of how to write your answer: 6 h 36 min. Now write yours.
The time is 5 h 30 min
